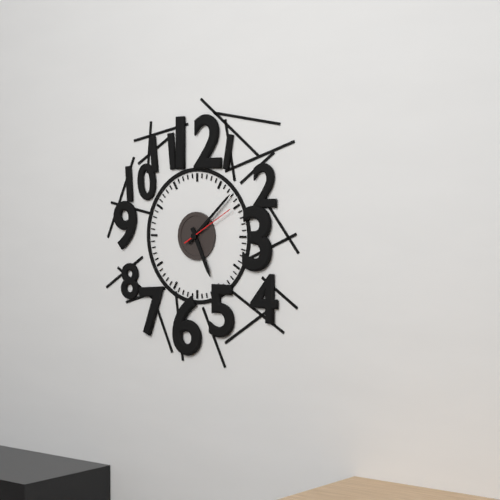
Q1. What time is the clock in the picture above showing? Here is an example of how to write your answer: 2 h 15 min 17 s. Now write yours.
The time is 5 h 08 min 10 s
